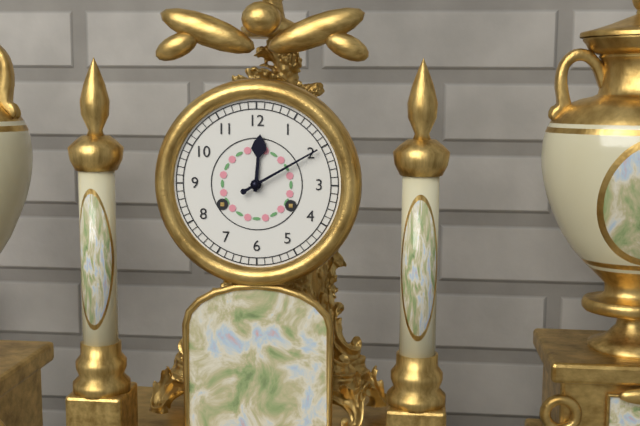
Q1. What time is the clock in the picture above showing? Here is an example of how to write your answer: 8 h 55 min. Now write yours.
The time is 12 h 10 min
